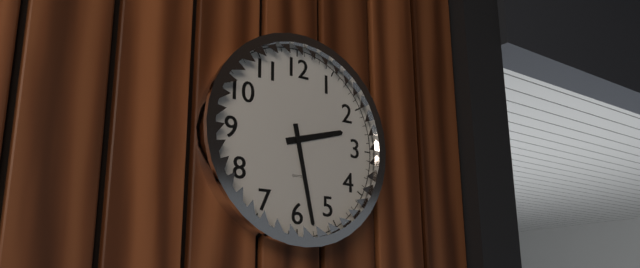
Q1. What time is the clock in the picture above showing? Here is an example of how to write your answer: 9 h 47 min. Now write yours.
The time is 2 h 28 min
